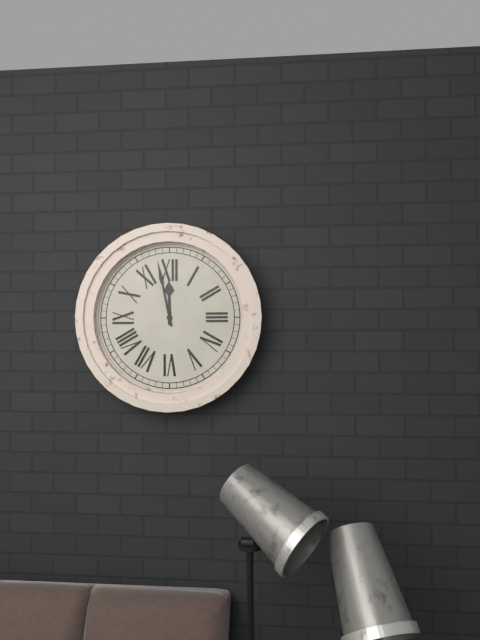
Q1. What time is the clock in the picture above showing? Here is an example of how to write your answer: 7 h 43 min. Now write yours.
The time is 11 h 58 min
